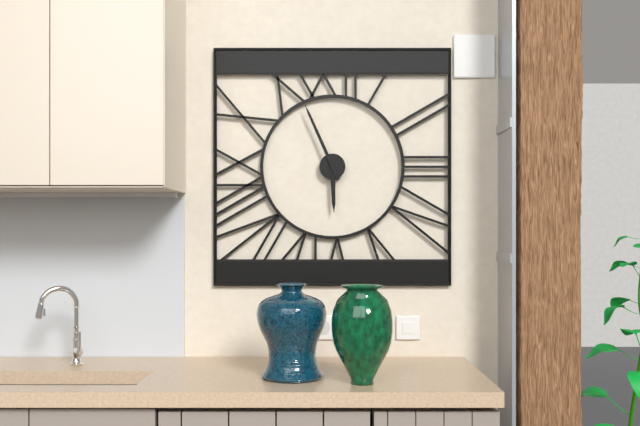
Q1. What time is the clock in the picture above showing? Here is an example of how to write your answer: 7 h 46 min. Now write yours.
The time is 5 h 56 min
